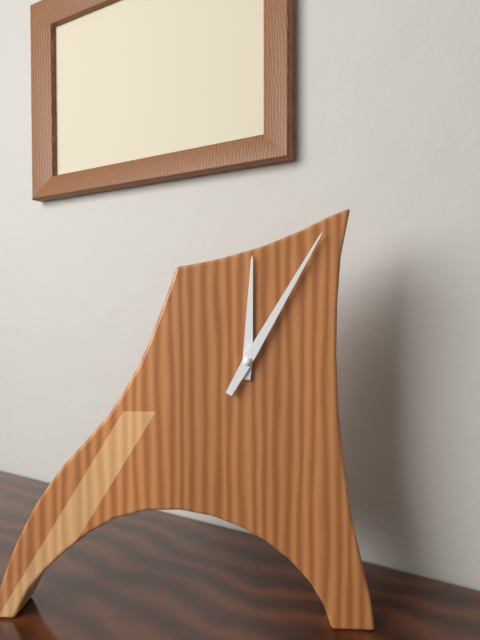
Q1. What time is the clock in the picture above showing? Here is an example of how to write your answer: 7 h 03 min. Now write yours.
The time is 12 h 05 min
